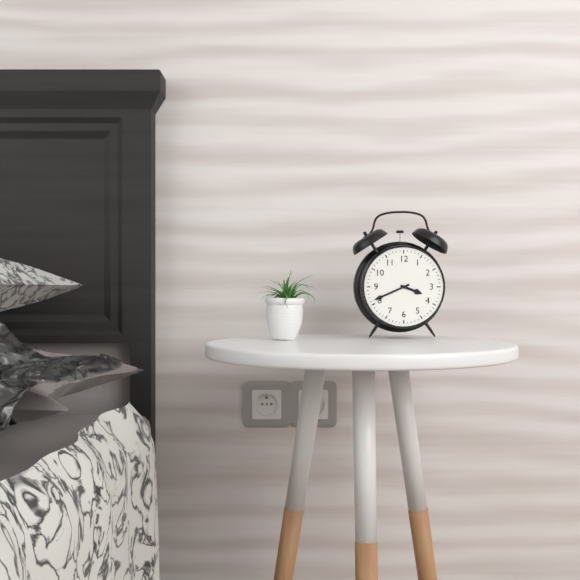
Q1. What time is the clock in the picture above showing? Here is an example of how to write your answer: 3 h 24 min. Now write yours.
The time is 3 h 41 min
